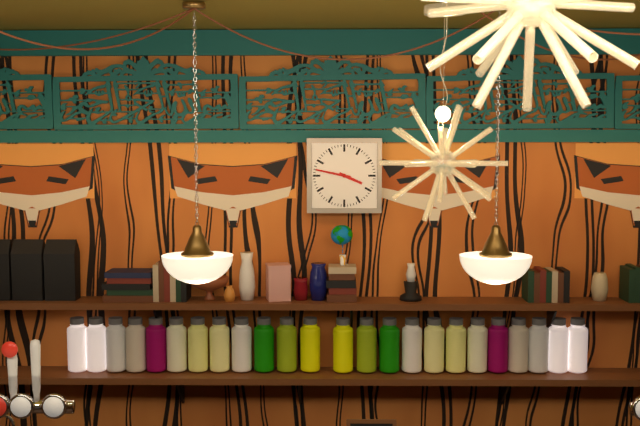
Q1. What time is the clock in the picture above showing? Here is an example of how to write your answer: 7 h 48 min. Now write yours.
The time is 3 h 47 min
